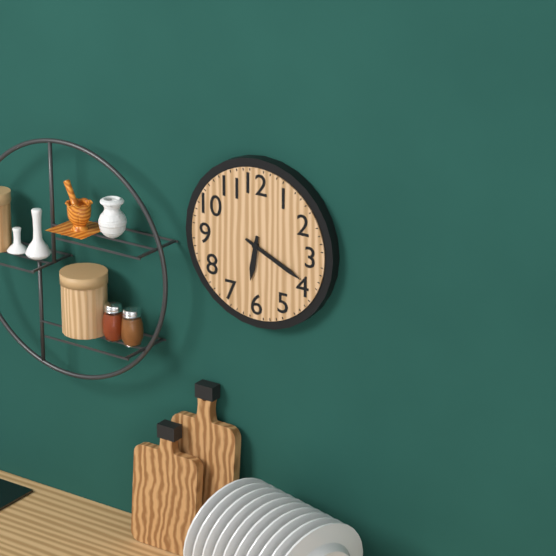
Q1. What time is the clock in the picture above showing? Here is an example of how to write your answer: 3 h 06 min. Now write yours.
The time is 6 h 19 min
